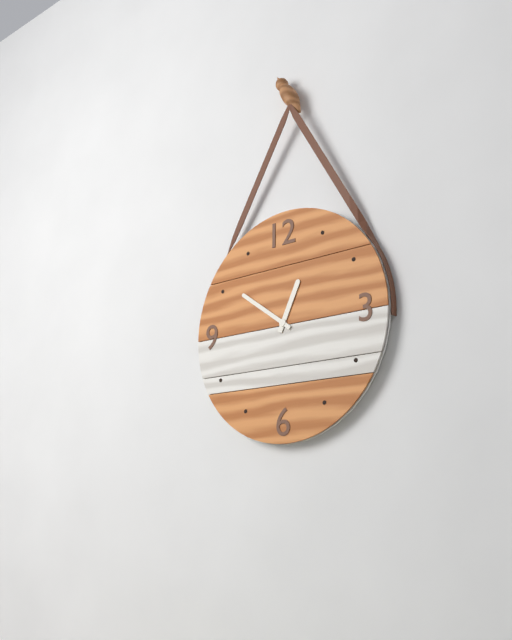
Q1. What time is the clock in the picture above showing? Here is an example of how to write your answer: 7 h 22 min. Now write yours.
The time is 12 h 51 min
